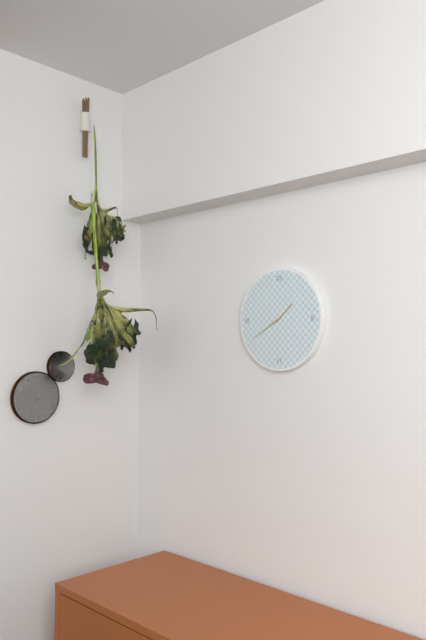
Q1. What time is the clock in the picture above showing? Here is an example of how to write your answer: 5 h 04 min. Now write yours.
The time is 1 h 40 min
